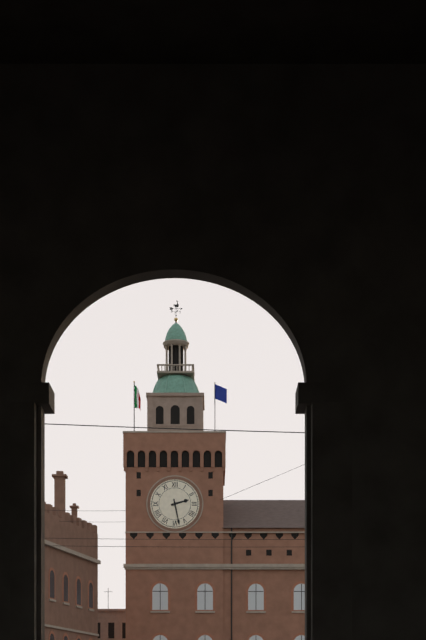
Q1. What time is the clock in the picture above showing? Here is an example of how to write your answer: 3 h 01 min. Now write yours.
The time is 2 h 28 min
